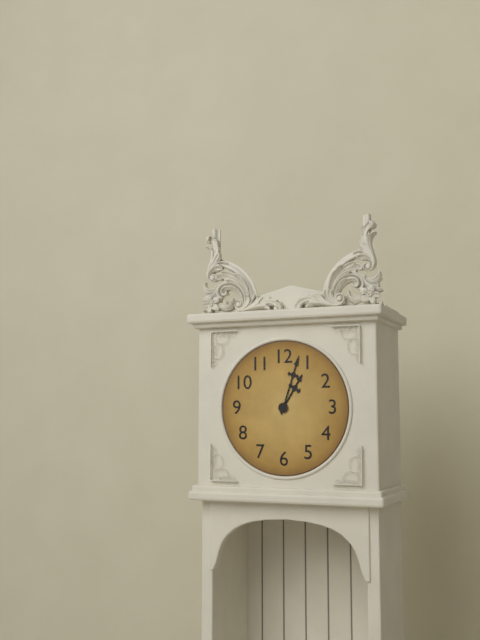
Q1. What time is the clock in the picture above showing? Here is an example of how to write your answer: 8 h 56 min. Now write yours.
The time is 1 h 03 min
